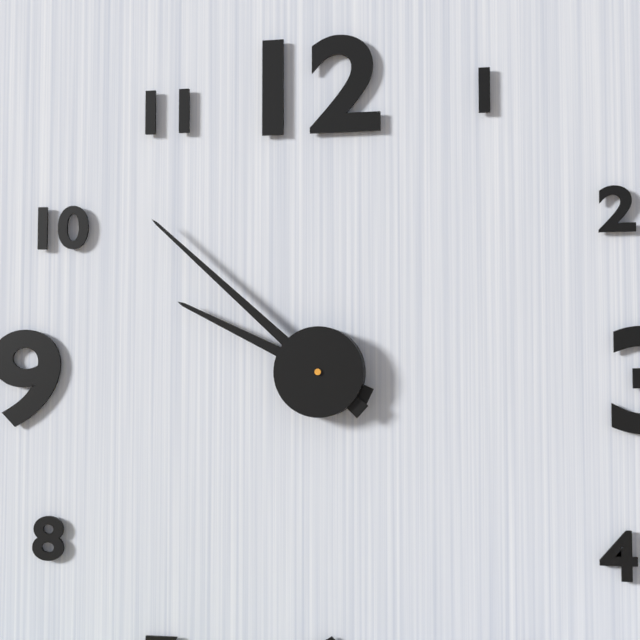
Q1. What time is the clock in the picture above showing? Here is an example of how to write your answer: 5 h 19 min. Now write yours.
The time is 9 h 52 min
